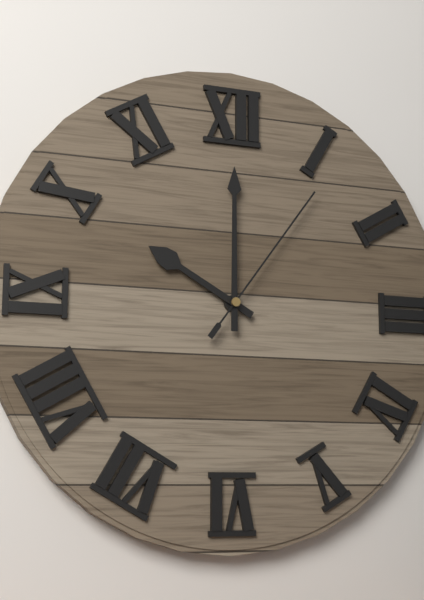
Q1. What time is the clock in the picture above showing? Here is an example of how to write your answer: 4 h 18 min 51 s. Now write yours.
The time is 10 h 00 min 06 s
